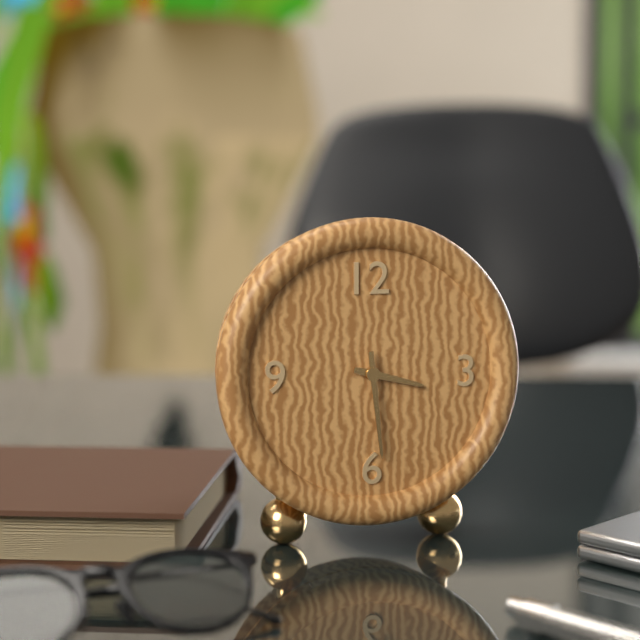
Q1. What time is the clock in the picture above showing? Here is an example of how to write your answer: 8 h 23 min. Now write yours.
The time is 3 h 29 min
